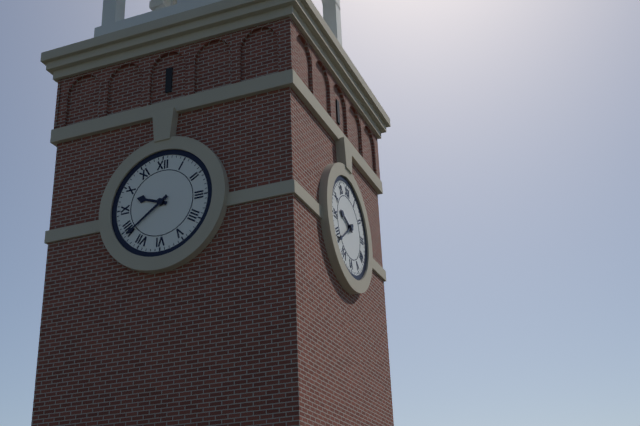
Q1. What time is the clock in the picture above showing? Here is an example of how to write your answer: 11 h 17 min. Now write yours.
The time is 9 h 39 min
